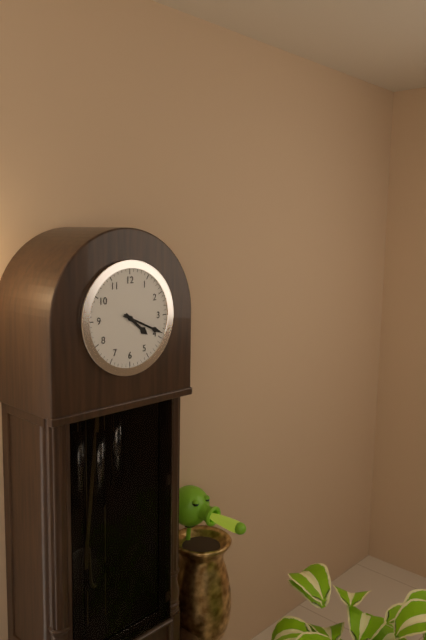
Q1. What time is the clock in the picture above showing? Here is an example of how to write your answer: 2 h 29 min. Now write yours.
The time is 4 h 19 min
